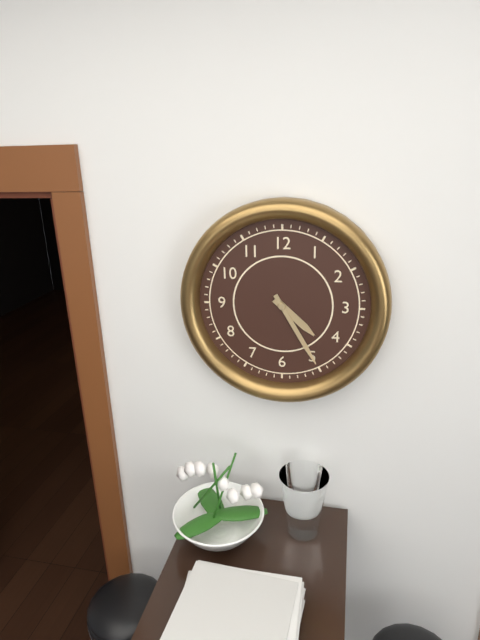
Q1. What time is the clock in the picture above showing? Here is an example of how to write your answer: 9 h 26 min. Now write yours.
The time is 4 h 25 min
